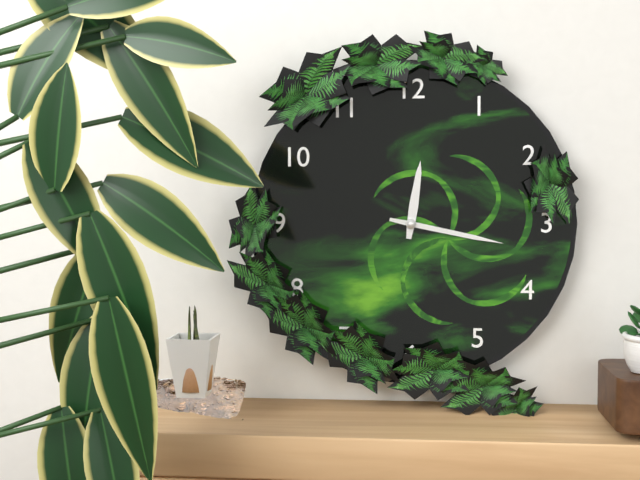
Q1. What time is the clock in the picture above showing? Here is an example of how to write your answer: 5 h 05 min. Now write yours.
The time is 12 h 17 min
